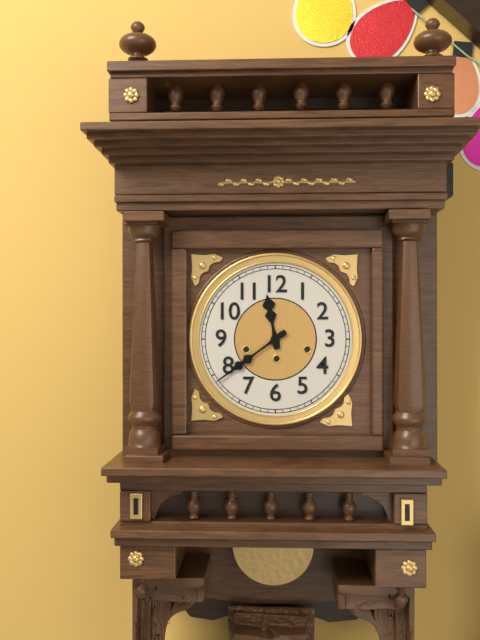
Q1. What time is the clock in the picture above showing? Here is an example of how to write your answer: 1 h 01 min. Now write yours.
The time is 11 h 39 min
